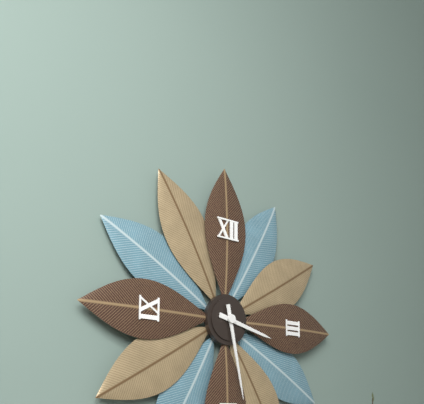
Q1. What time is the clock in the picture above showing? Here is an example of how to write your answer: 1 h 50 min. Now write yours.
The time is 3 h 28 min
